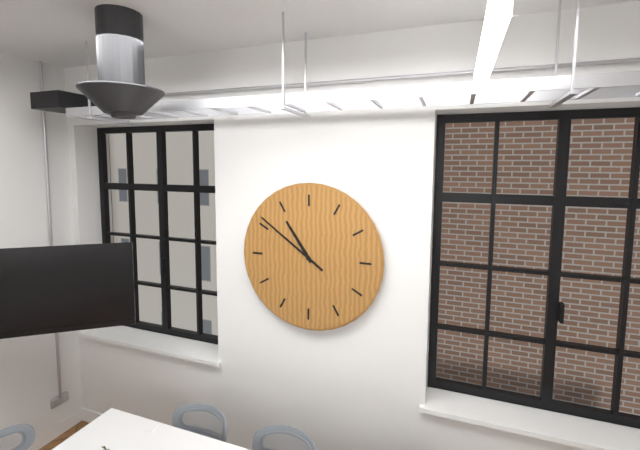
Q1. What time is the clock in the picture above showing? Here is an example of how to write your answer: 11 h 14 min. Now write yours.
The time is 10 h 51 min
